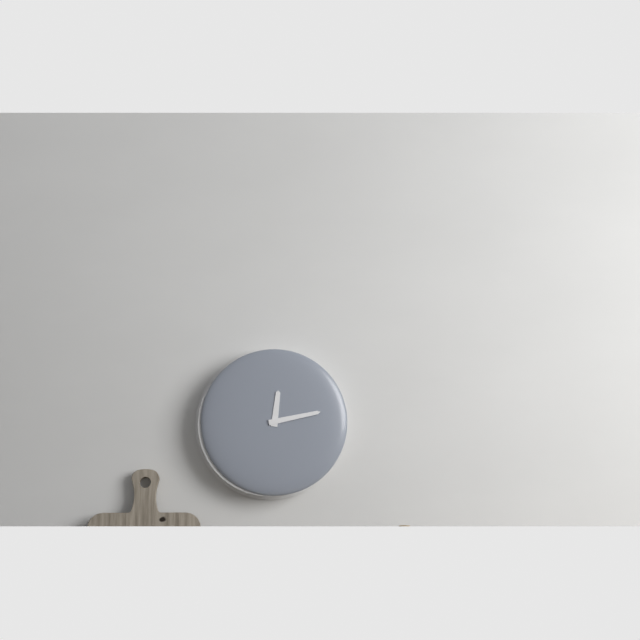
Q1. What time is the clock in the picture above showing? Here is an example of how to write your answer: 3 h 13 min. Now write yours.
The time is 12 h 13 min
